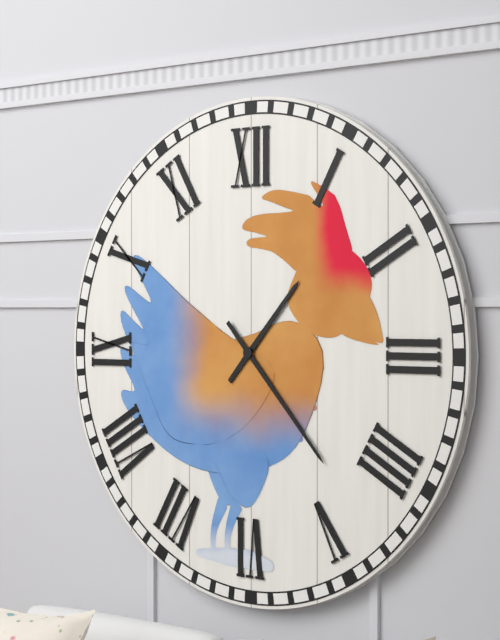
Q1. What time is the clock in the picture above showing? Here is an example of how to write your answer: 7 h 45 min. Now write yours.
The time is 1 h 23 min
